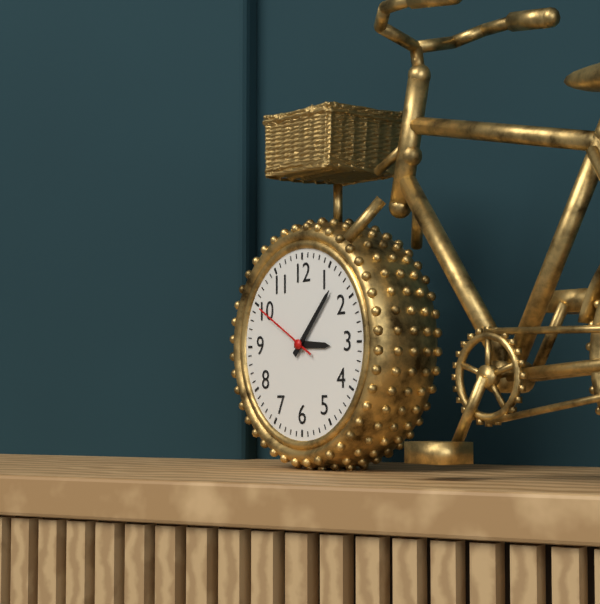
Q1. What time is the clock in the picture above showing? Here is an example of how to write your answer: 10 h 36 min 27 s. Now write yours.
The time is 3 h 07 min 50 s
